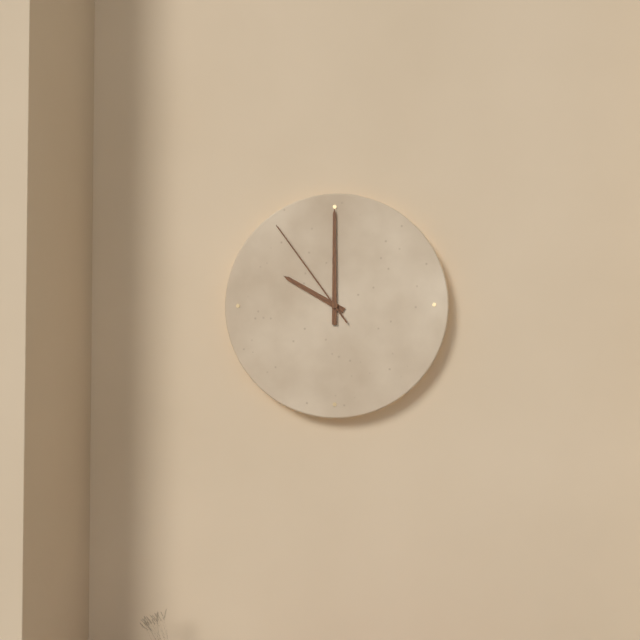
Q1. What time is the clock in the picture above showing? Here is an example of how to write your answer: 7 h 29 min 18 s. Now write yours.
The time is 10 h 00 min 54 s
